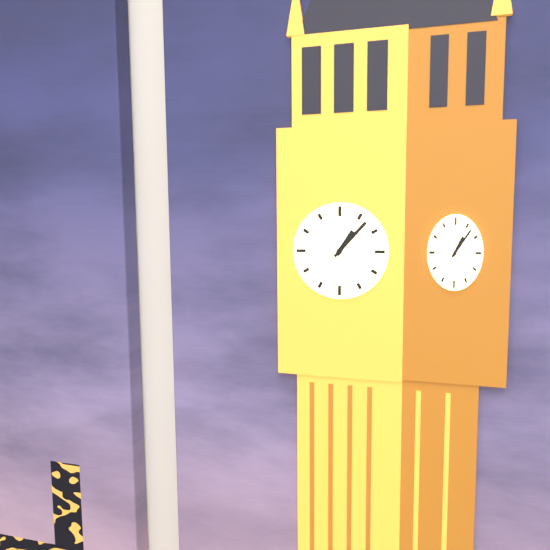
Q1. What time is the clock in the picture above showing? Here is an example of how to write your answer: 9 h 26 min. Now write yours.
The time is 1 h 07 min
